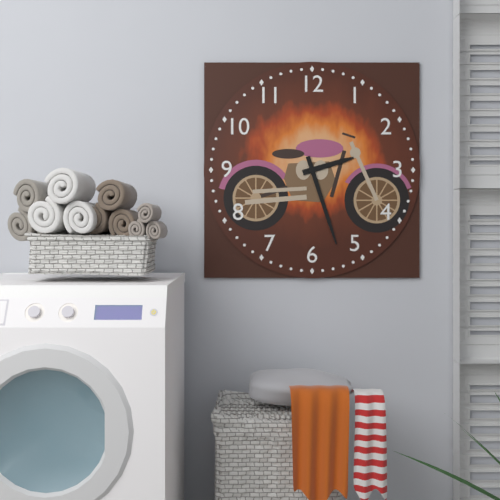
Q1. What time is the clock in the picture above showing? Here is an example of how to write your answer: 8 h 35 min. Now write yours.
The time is 2 h 27 min
